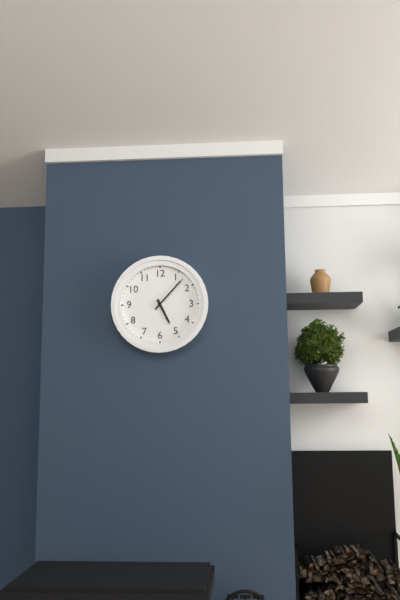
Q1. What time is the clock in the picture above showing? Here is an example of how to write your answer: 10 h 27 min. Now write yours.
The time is 5 h 07 min
